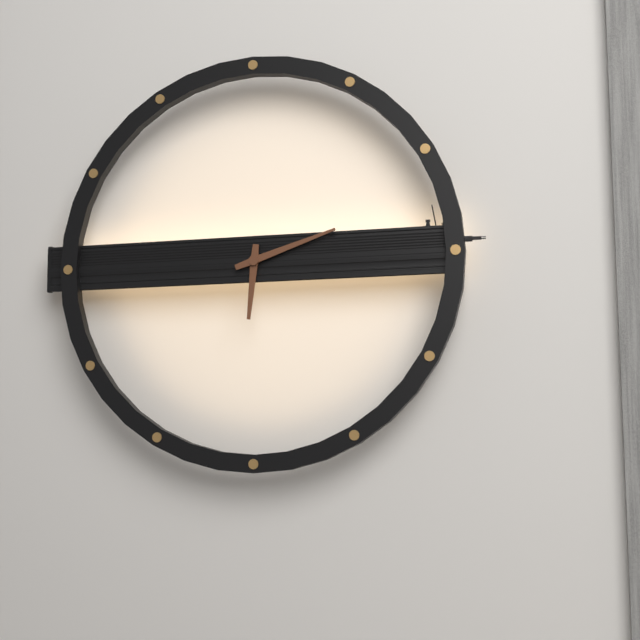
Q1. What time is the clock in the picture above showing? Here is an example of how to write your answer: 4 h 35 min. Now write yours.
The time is 6 h 12 min
